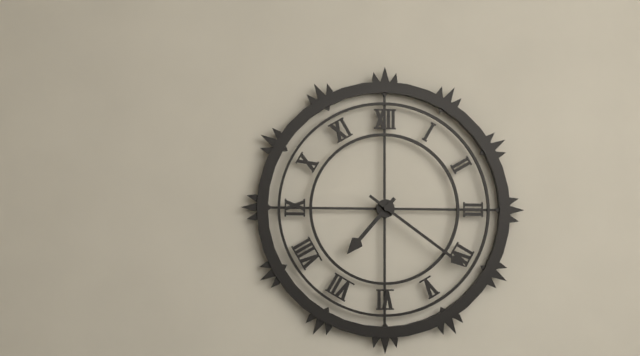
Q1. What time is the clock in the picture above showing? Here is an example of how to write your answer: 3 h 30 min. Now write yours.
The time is 7 h 21 min
